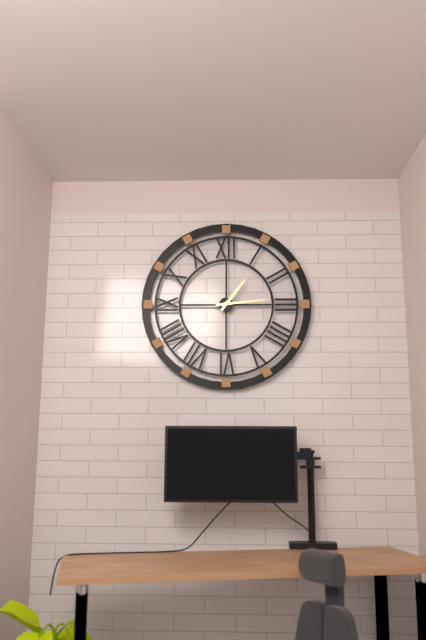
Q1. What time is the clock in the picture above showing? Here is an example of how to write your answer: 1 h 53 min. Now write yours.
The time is 1 h 14 min
